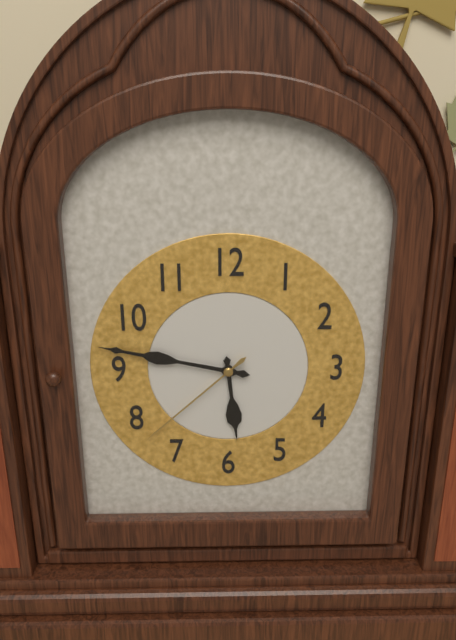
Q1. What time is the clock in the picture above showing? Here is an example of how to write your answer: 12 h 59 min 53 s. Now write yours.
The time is 5 h 47 min 38 s
